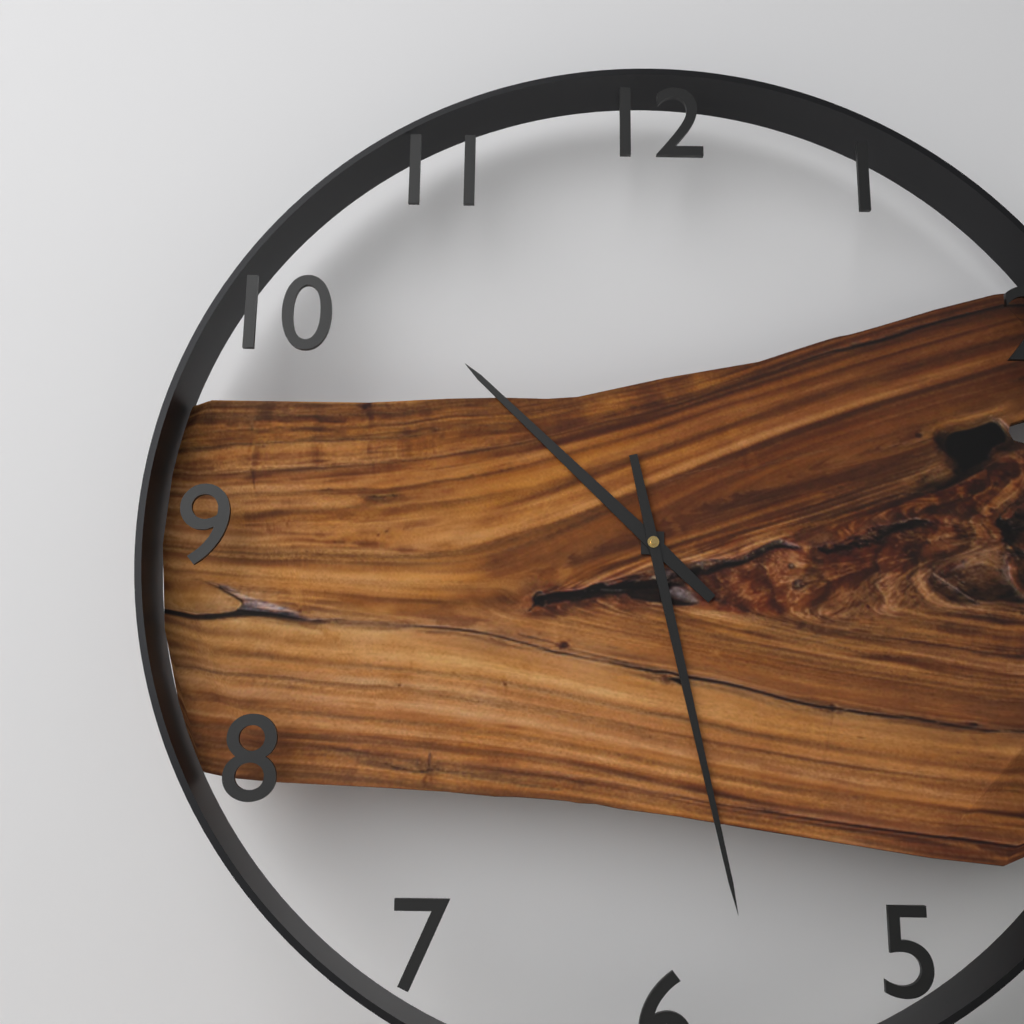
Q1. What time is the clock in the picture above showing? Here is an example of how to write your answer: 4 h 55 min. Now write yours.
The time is 10 h 28 min
